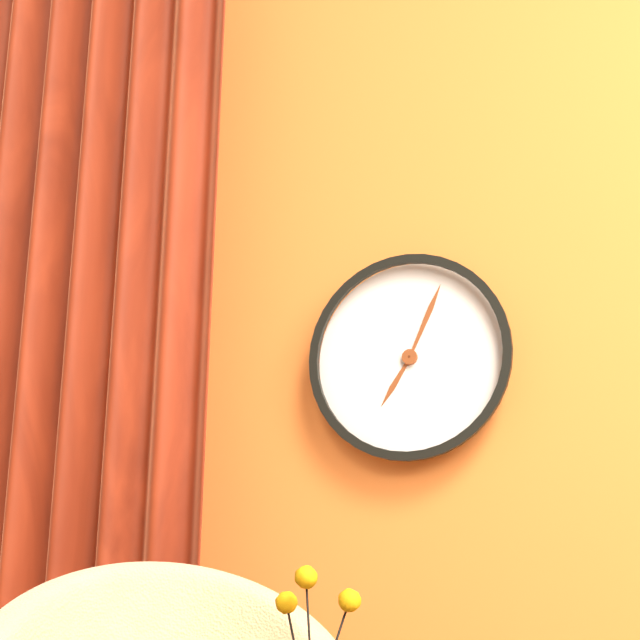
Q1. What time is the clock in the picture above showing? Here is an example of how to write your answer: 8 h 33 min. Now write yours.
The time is 7 h 04 min
